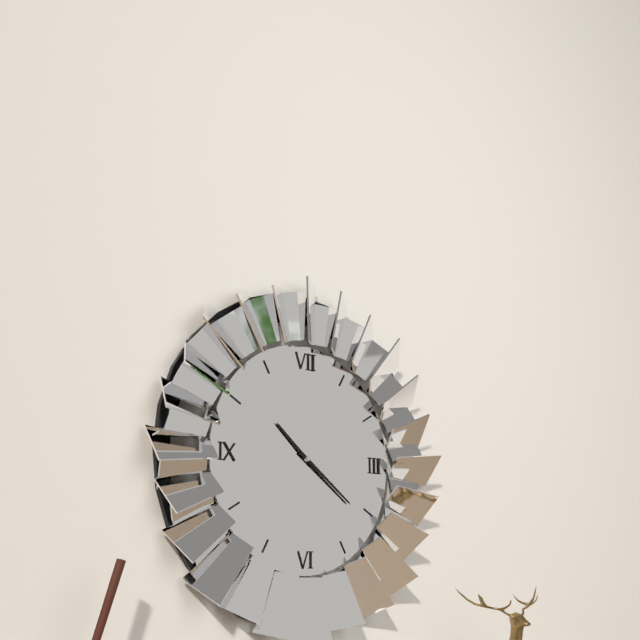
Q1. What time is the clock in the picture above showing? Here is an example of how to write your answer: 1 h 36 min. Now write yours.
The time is 10 h 21 min
